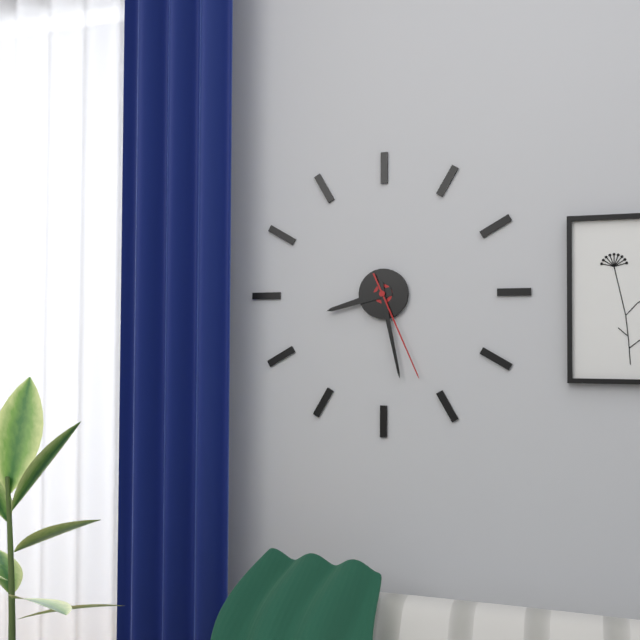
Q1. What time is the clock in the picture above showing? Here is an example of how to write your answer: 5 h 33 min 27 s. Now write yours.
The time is 8 h 28 min 26 s
